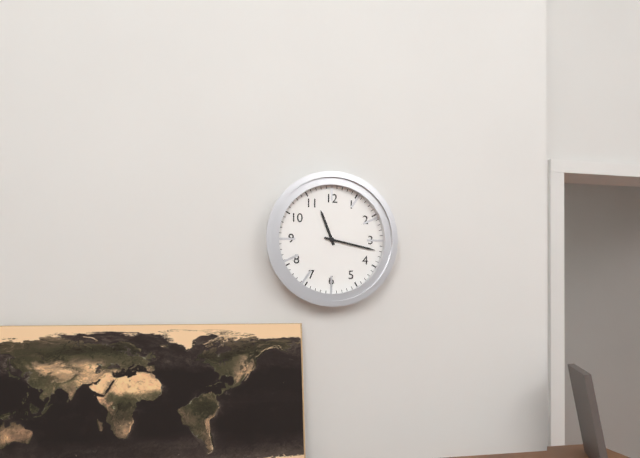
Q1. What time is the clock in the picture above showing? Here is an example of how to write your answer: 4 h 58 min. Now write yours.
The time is 11 h 17 min
